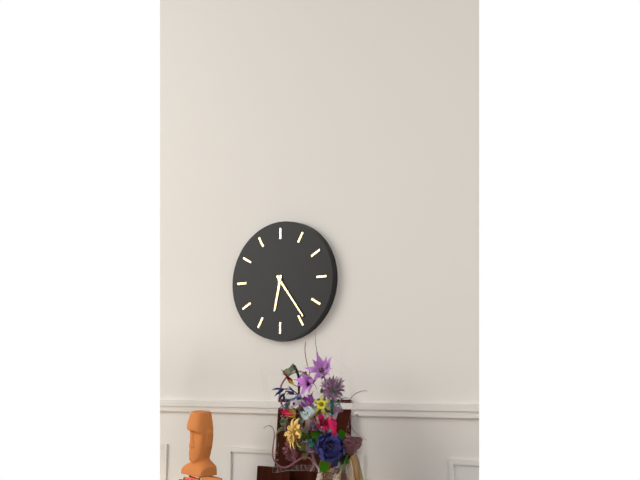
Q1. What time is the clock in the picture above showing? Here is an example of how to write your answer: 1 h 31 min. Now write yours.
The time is 6 h 24 min
